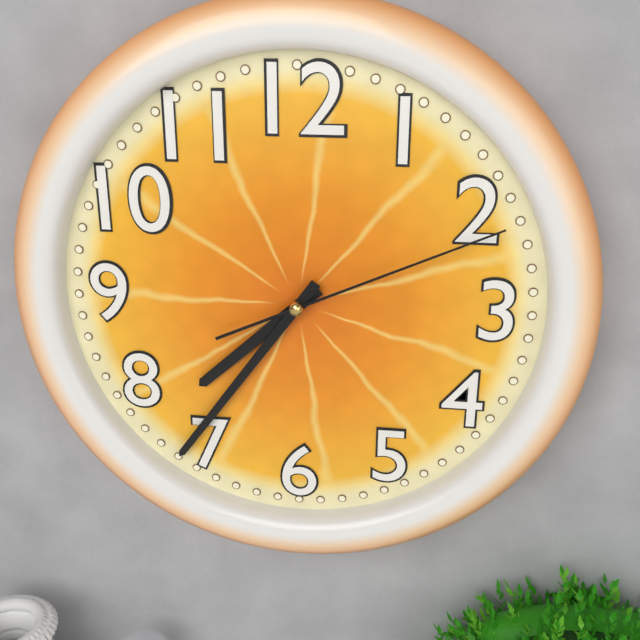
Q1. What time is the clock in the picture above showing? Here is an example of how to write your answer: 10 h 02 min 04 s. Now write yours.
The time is 7 h 36 min 11 s
